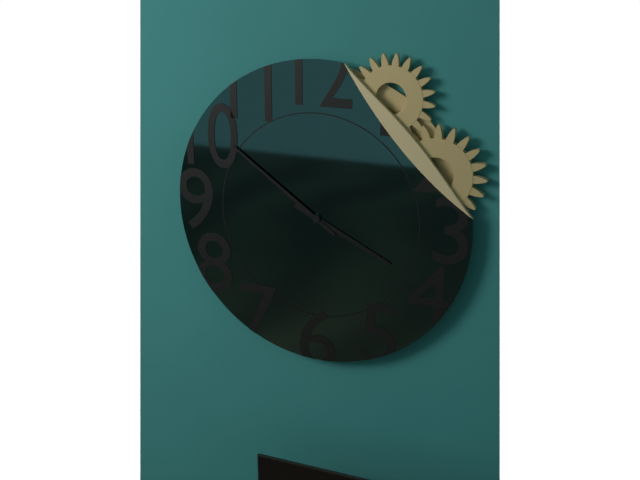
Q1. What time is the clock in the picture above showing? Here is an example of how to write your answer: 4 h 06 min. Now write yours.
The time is 3 h 51 min
